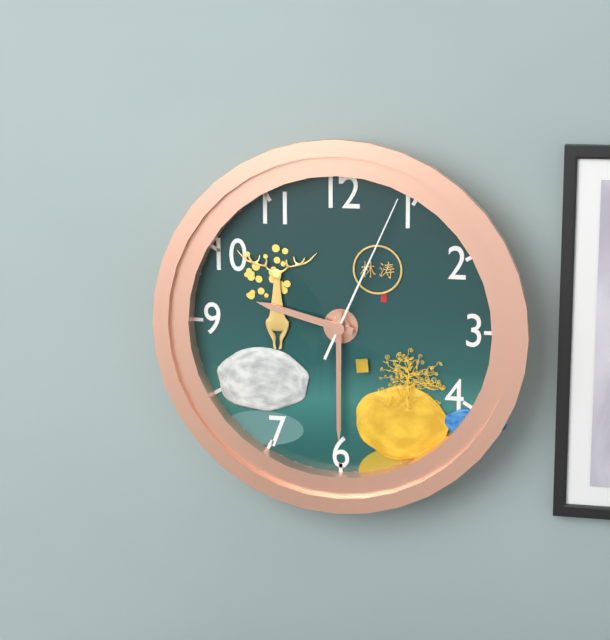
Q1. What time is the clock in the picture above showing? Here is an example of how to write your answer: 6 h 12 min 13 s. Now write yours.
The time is 9 h 30 min 04 s
